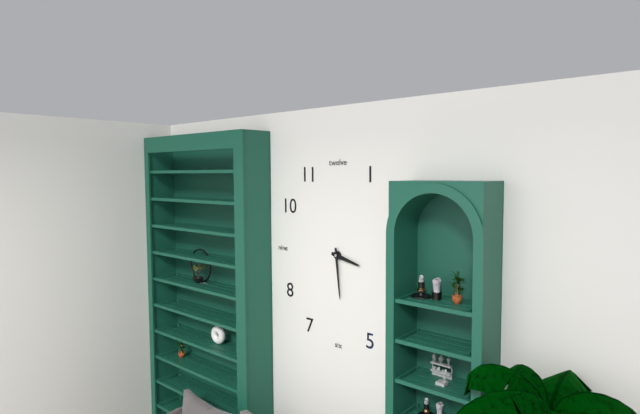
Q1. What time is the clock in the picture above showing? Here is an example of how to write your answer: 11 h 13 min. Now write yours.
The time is 3 h 29 min
